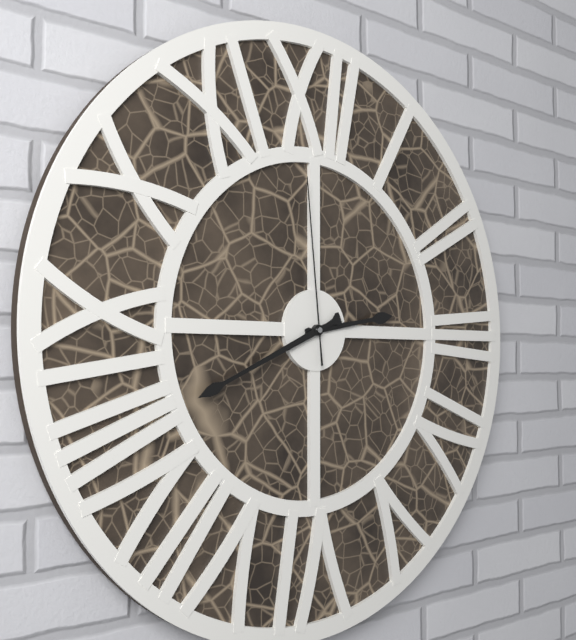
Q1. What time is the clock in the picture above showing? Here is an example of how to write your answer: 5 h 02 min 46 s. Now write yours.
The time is 2 h 41 min 59 s
